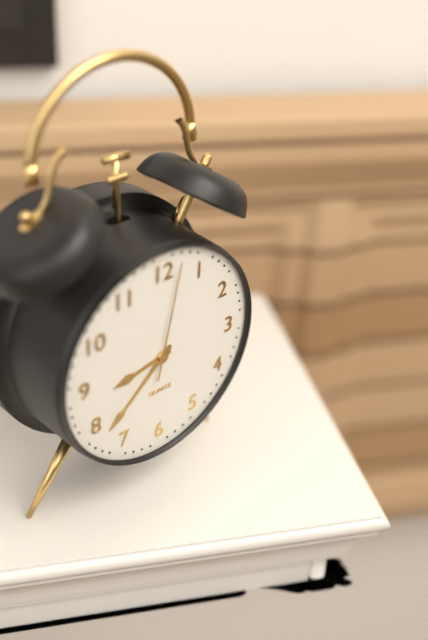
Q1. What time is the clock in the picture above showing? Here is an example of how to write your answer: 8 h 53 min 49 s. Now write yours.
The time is 8 h 38 min 02 s
